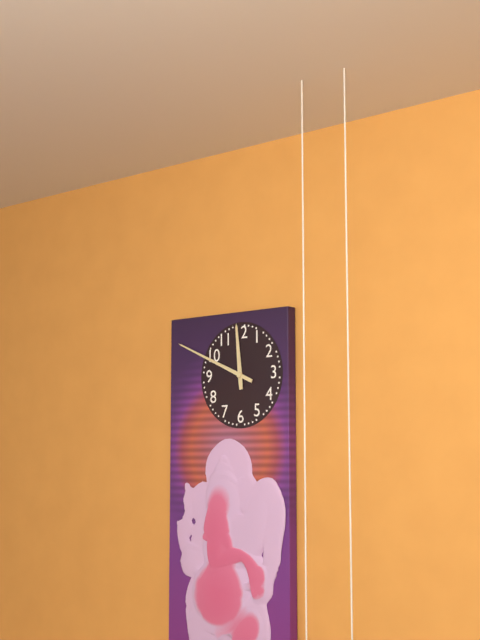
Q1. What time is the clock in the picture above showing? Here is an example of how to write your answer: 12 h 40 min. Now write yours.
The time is 11 h 49 min
